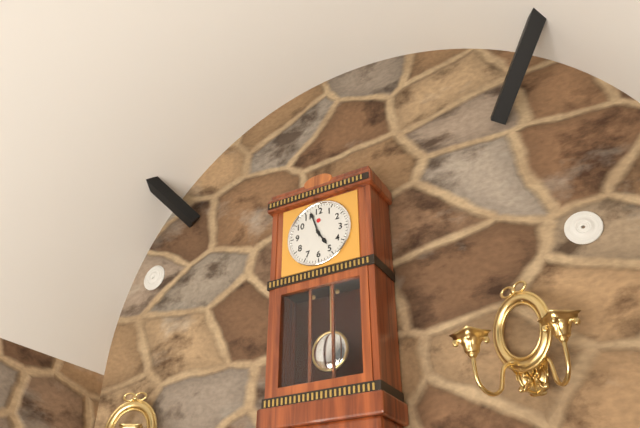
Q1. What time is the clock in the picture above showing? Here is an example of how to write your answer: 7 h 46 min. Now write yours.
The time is 4 h 57 min
